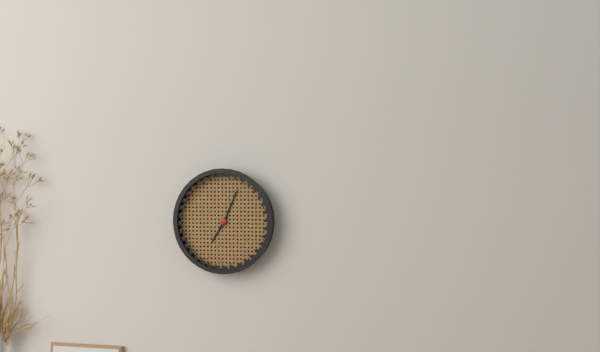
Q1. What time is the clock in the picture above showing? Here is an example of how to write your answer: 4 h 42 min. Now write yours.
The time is 7 h 04 min
